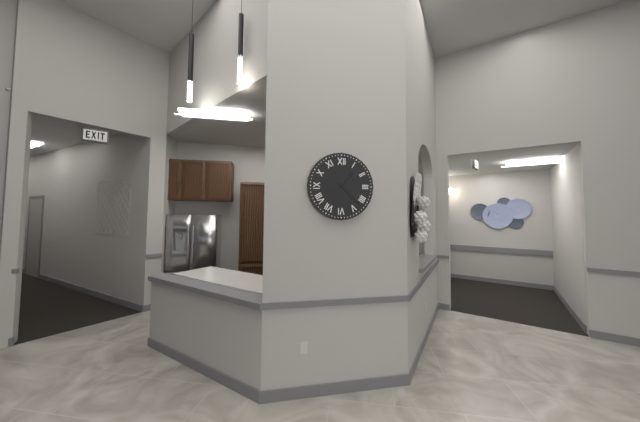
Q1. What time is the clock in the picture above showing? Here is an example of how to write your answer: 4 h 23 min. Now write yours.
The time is 1 h 22 min
